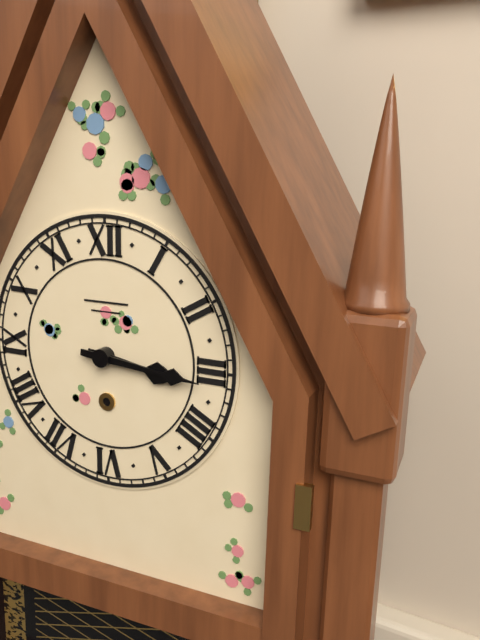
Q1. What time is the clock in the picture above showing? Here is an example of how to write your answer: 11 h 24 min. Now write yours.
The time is 3 h 16 min
